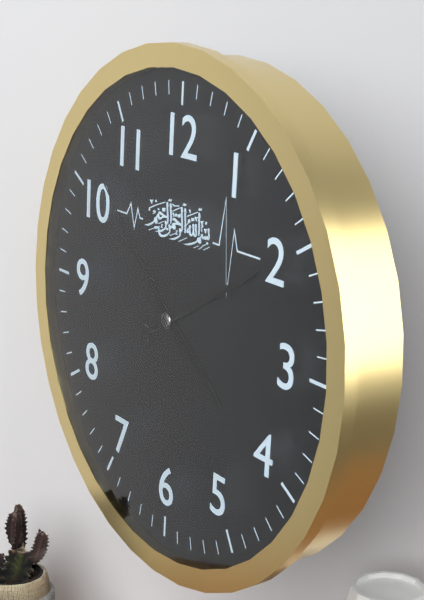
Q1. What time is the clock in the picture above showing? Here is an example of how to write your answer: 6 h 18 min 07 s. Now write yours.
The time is 4 h 10 min 52 s
